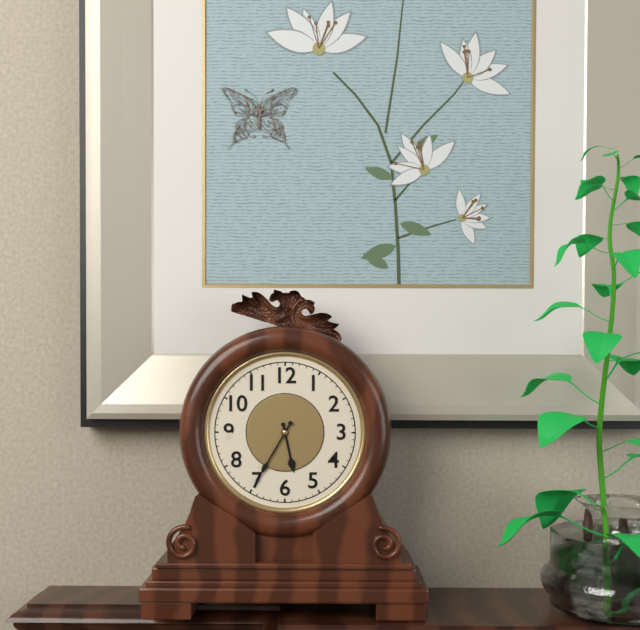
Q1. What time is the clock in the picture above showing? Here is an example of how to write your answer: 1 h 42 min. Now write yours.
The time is 5 h 35 min
